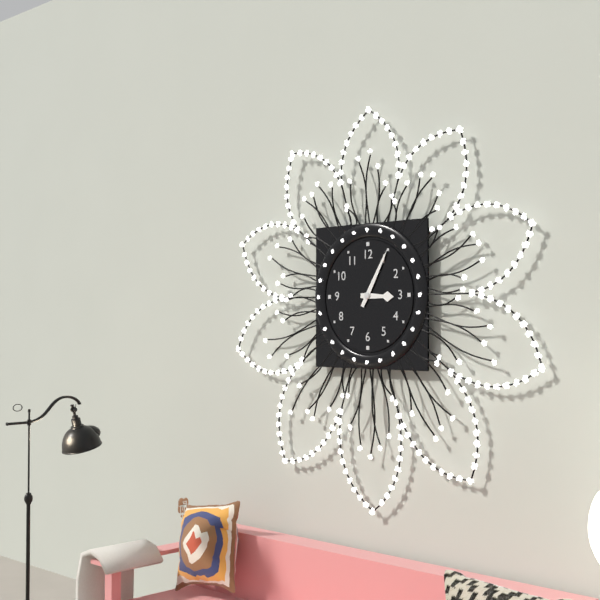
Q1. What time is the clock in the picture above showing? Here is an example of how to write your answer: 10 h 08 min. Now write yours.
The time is 3 h 05 min
